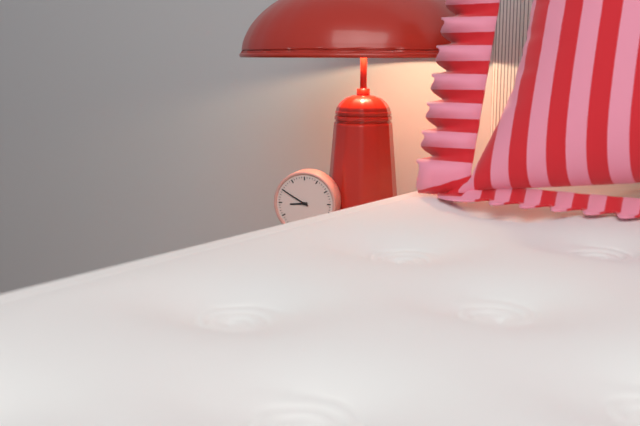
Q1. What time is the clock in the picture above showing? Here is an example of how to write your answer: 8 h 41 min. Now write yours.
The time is 8 h 50 min
